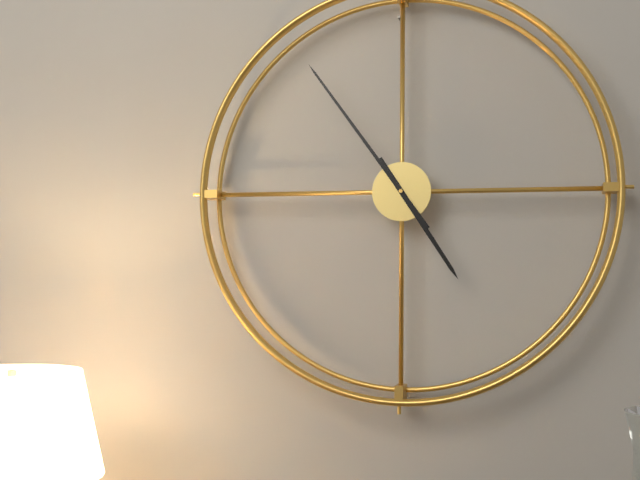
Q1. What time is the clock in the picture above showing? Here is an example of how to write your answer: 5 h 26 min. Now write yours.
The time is 4 h 54 min
